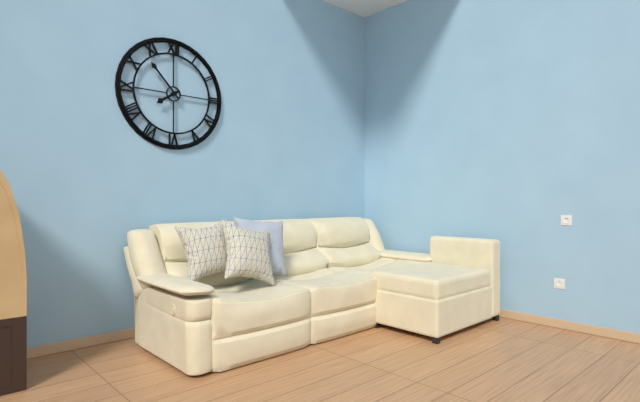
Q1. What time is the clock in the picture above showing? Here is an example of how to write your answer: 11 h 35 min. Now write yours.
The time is 7 h 53 min
